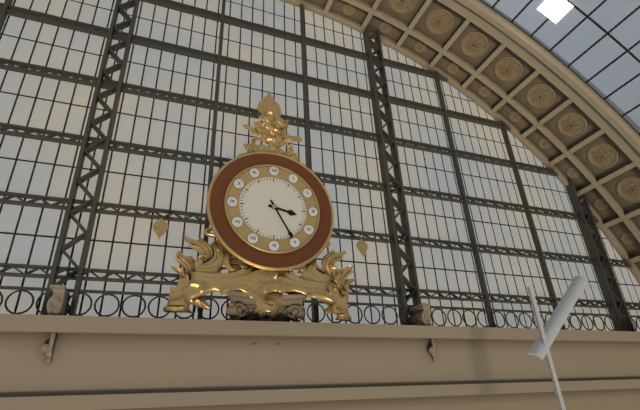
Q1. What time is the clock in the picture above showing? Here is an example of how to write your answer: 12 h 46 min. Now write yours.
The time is 3 h 25 min
